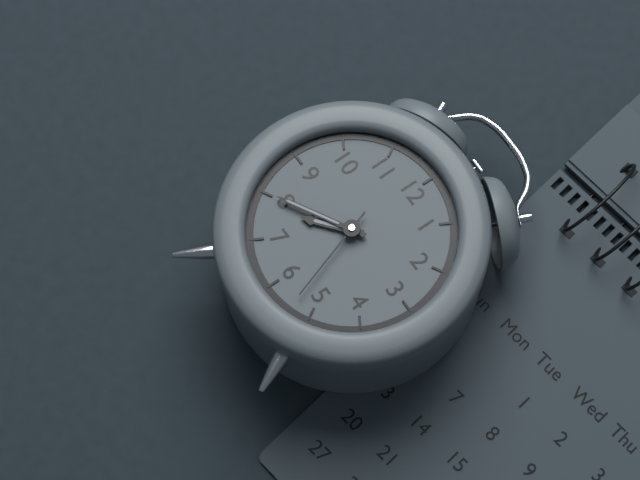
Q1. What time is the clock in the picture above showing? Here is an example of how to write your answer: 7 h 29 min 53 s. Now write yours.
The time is 7 h 40 min 27 s
